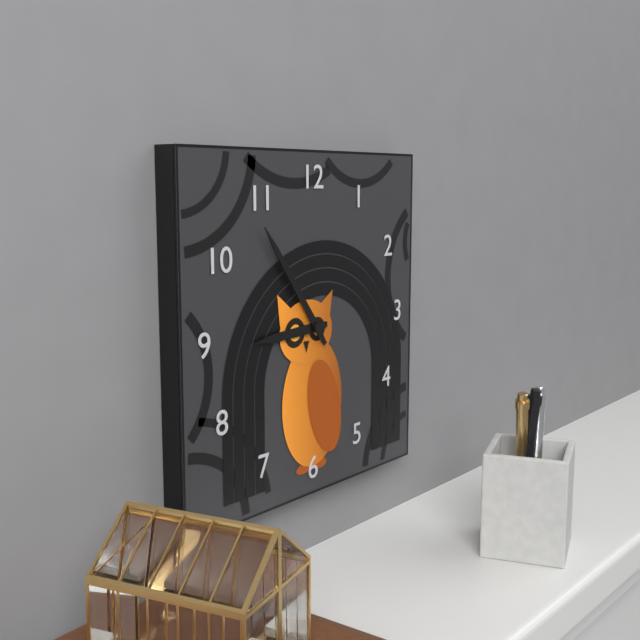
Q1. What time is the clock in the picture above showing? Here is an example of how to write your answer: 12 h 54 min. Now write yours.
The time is 8 h 54 min
